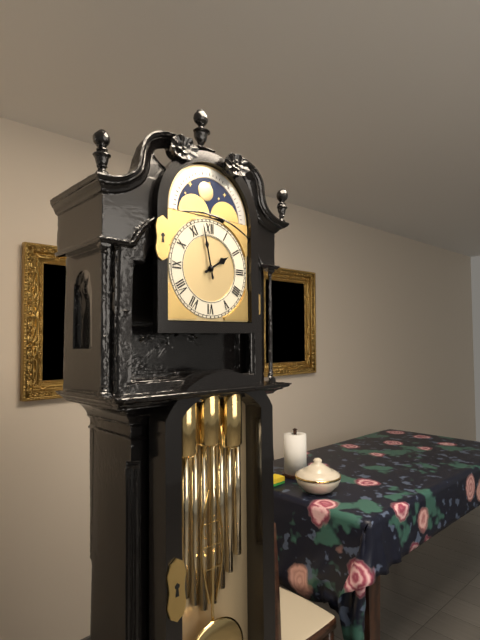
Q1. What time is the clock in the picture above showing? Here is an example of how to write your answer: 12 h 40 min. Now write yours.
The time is 1 h 58 min
